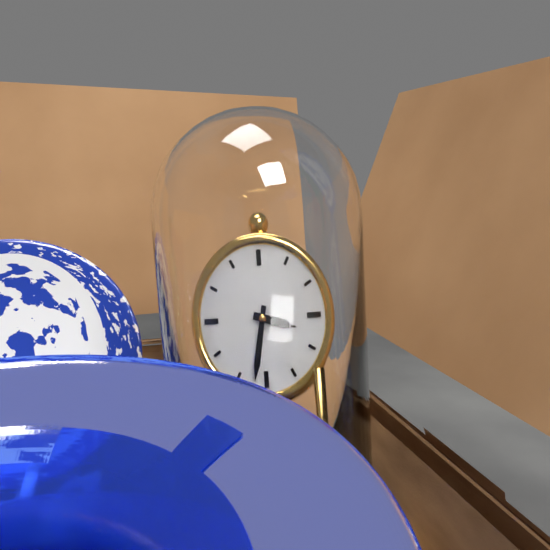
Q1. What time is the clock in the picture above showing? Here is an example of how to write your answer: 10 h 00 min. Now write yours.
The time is 3 h 32 min
